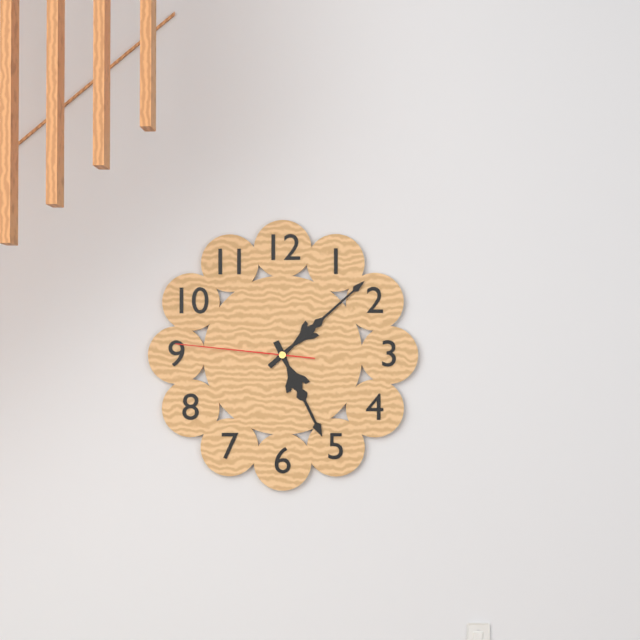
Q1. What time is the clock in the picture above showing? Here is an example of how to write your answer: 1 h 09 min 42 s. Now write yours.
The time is 5 h 08 min 46 s
